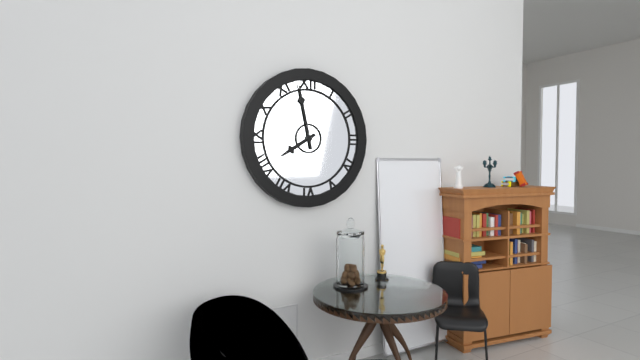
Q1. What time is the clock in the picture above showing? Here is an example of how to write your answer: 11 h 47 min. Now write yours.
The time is 7 h 58 min
